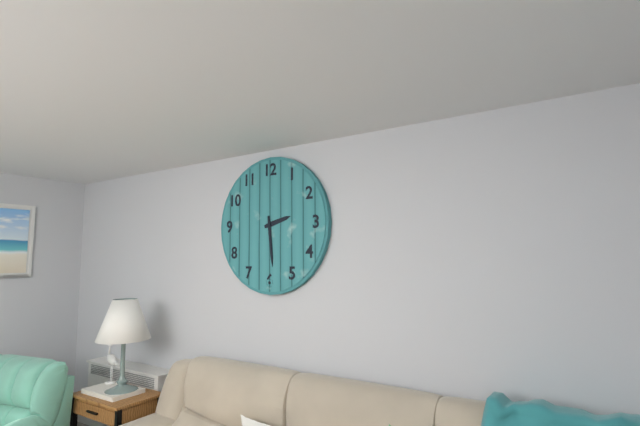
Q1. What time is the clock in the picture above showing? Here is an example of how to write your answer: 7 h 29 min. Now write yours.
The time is 2 h 29 min
